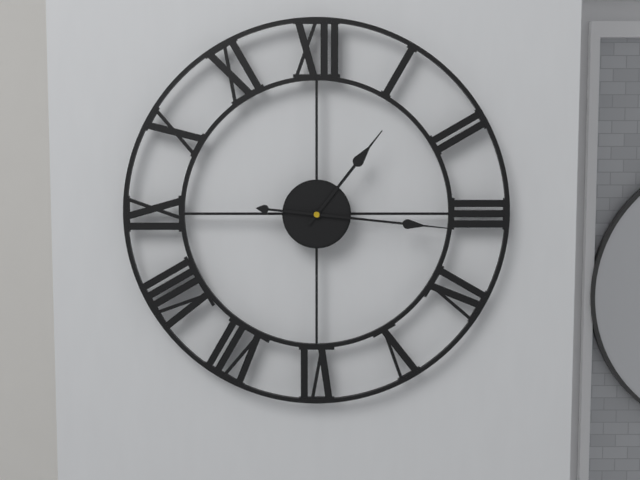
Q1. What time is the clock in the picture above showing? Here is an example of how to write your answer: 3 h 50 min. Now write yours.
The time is 1 h 16 min
